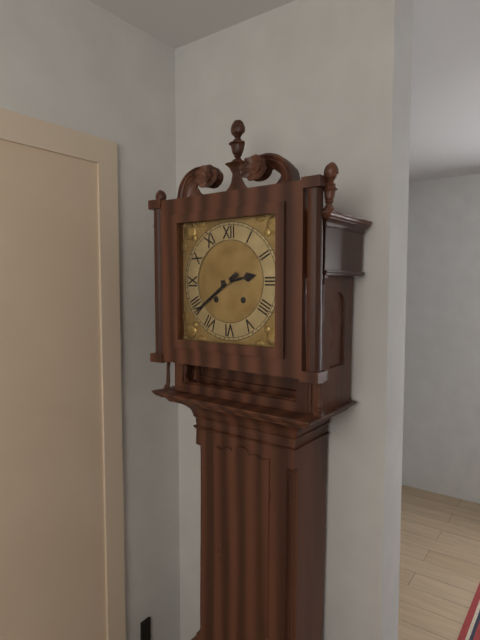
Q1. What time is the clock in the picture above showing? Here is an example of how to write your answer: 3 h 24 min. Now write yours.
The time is 2 h 39 min
